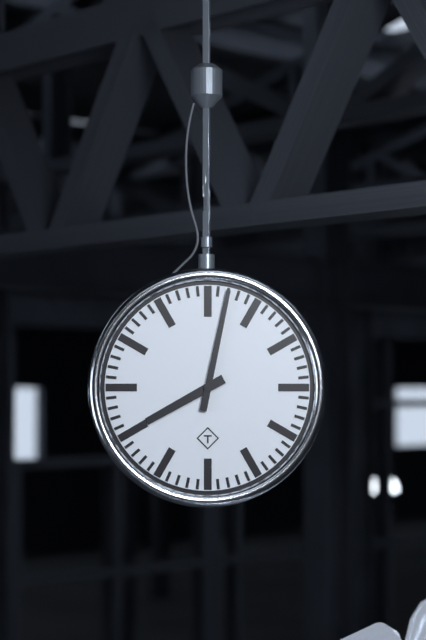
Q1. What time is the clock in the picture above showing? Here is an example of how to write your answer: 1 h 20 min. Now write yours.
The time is 8 h 02 min
